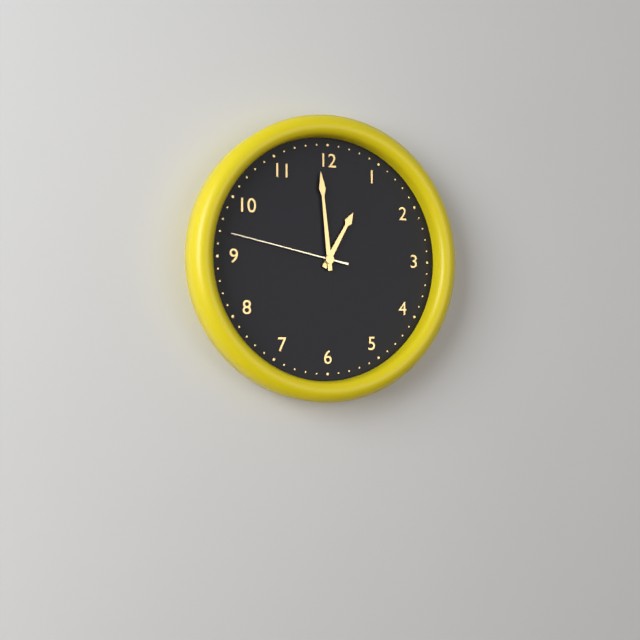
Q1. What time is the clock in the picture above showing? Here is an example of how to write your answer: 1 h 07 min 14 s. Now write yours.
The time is 12 h 59 min 47 s
